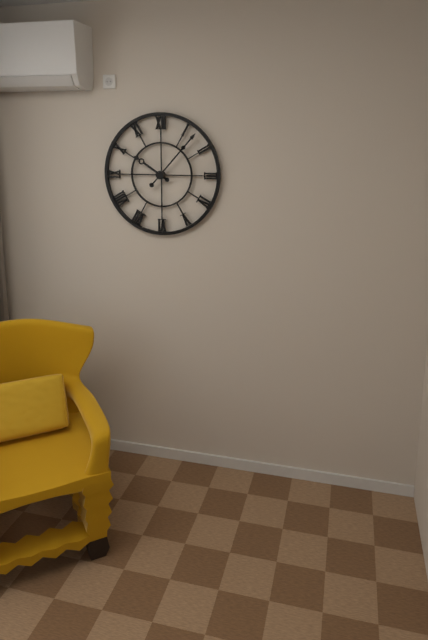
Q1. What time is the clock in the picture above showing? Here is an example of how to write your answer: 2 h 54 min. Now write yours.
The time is 10 h 07 min
